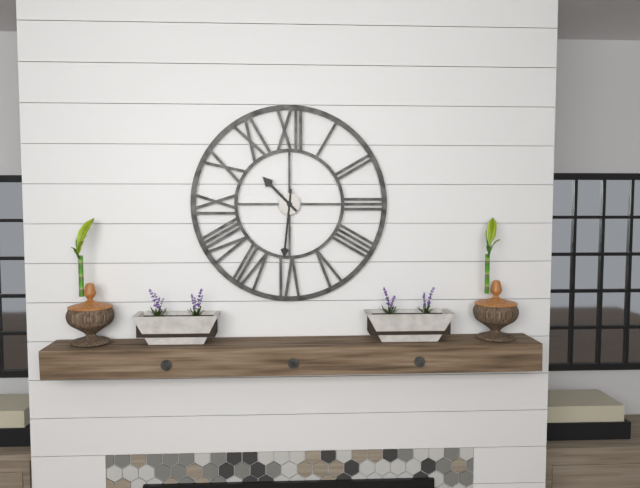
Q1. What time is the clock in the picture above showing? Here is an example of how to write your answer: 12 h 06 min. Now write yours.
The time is 10 h 31 min
